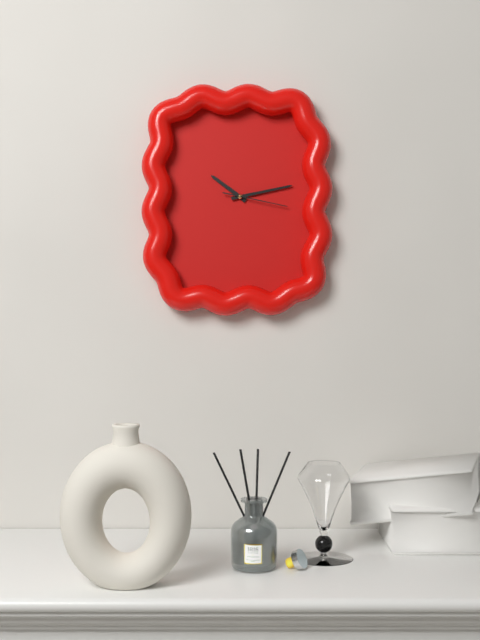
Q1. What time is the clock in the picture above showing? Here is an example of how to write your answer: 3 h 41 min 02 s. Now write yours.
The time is 10 h 13 min 17 s
